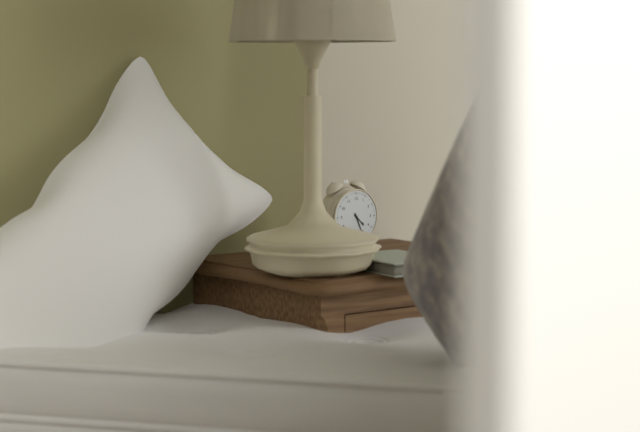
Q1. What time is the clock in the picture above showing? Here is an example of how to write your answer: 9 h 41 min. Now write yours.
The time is 4 h 26 min
